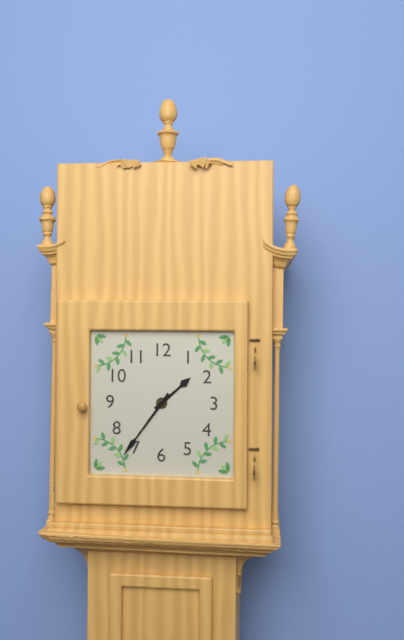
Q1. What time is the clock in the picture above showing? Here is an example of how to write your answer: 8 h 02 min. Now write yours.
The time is 1 h 36 min
